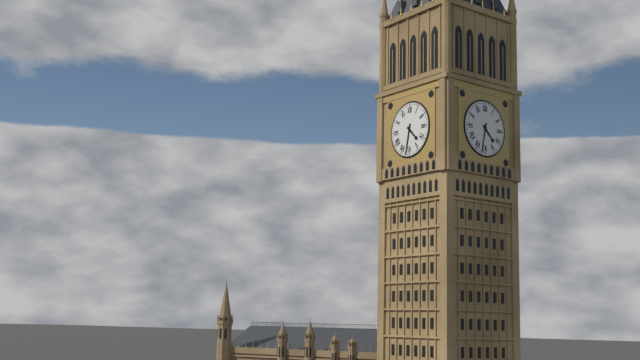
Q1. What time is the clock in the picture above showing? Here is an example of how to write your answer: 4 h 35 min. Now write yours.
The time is 4 h 32 min
